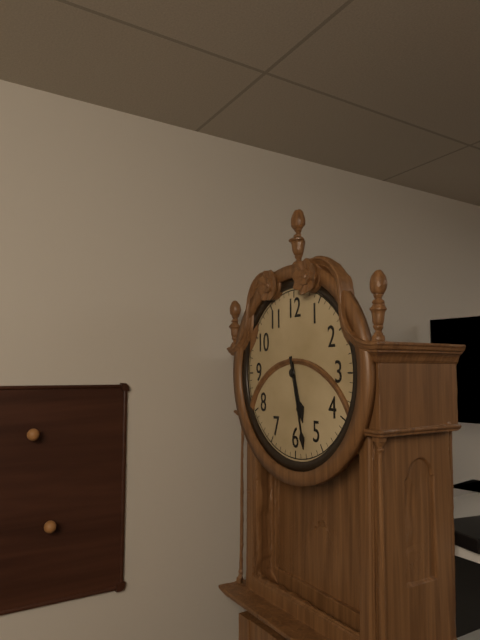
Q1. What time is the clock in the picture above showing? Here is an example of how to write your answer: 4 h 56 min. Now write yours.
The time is 5 h 28 min
